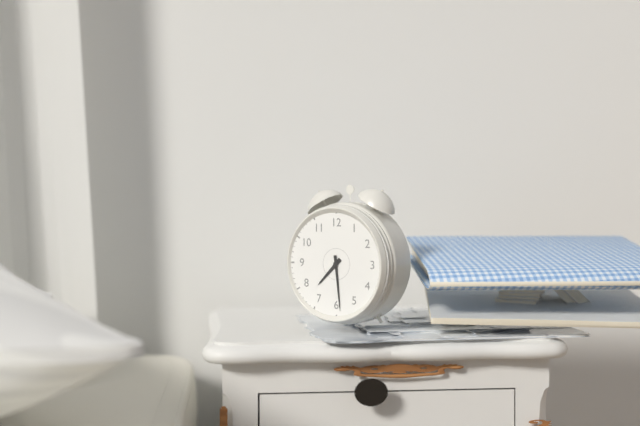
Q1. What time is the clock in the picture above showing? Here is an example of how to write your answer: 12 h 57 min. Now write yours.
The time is 7 h 29 min
